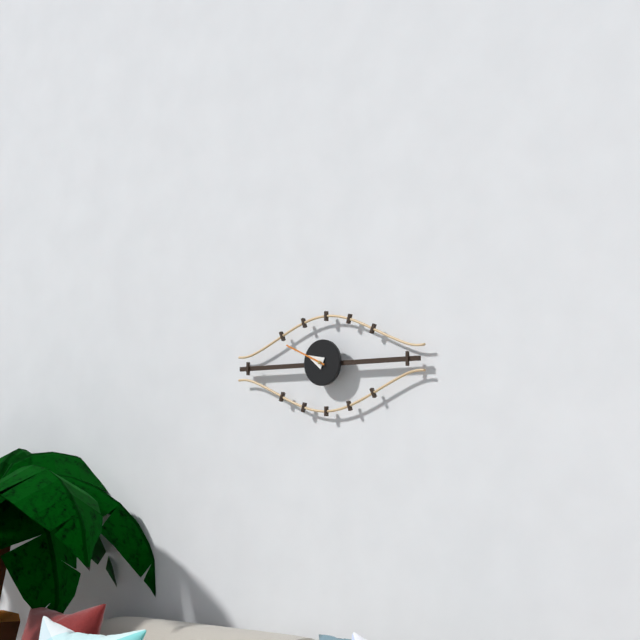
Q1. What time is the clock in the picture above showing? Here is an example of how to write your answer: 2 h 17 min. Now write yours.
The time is 9 h 49 min
